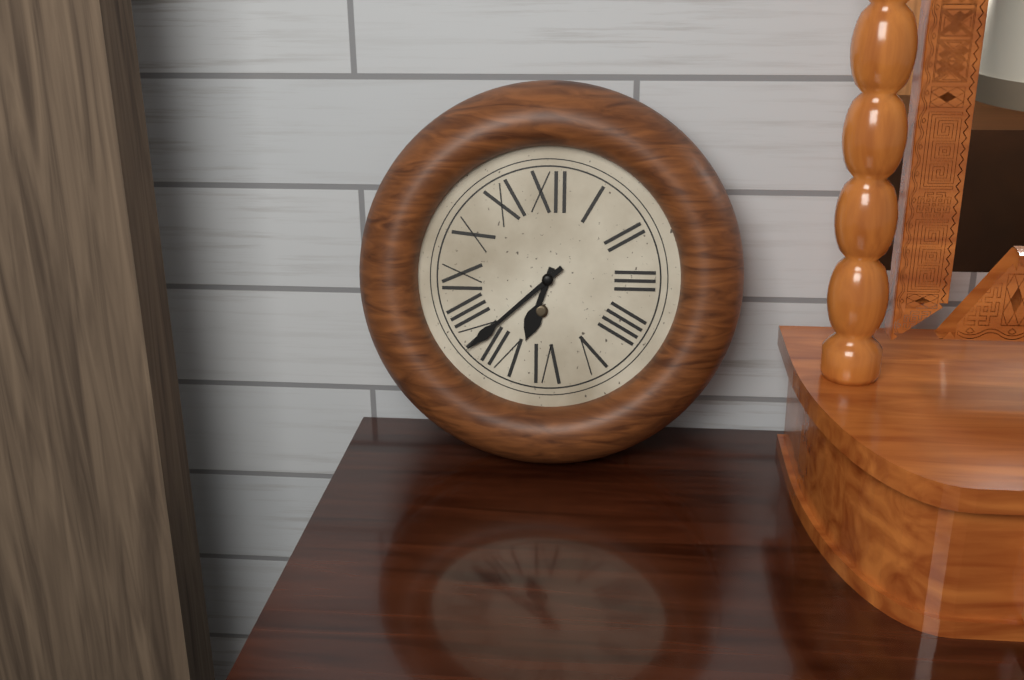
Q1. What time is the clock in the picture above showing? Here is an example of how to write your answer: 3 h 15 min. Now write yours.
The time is 6 h 38 min
